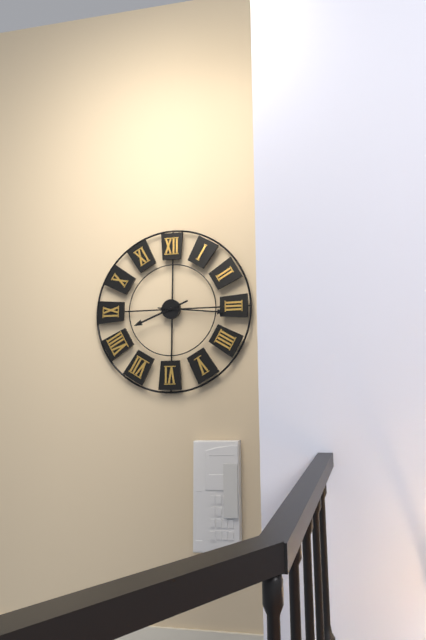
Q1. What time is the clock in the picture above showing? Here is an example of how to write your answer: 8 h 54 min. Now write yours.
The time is 8 h 16 min
